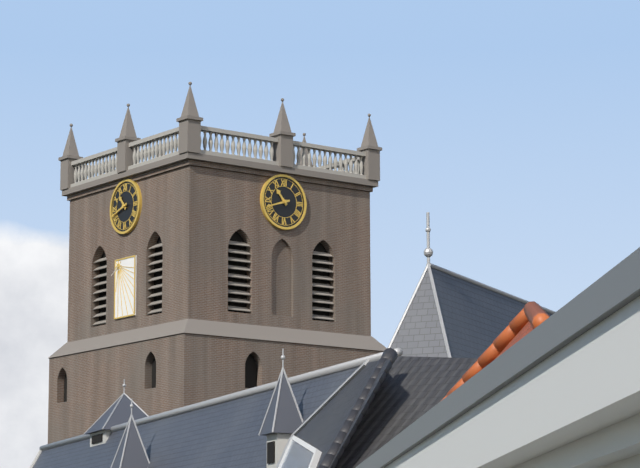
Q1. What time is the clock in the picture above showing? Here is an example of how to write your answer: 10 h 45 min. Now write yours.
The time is 10 h 42 min
